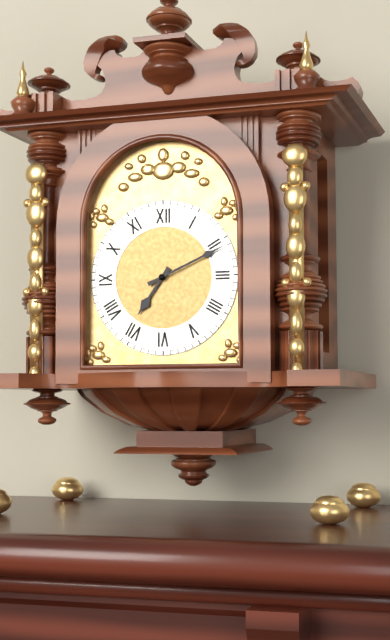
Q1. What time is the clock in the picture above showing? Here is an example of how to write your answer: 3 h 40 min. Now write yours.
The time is 7 h 11 min
